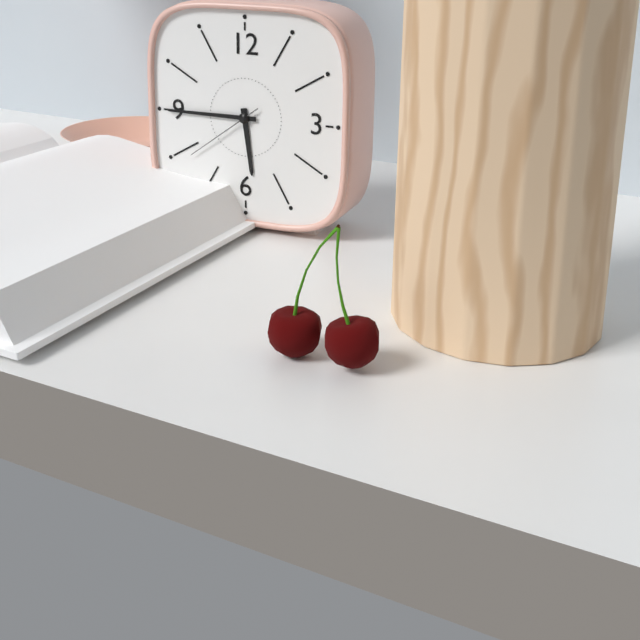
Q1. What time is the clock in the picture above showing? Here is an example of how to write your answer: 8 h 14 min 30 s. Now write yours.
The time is 5 h 45 min 39 s
